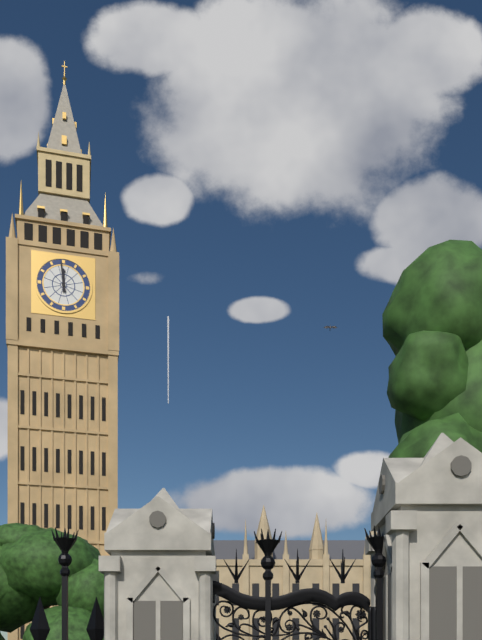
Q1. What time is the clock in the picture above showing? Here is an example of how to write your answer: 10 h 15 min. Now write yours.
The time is 11 h 59 min
